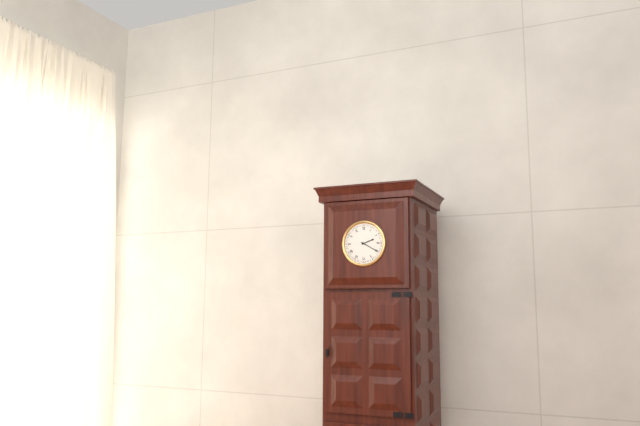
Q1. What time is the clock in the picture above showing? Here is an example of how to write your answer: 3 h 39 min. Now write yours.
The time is 2 h 20 min
